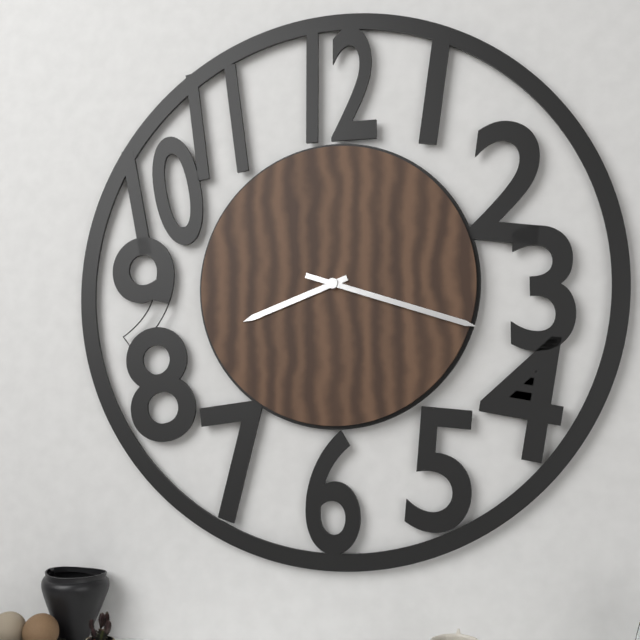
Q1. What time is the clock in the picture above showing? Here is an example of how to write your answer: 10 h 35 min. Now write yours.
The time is 8 h 18 min
